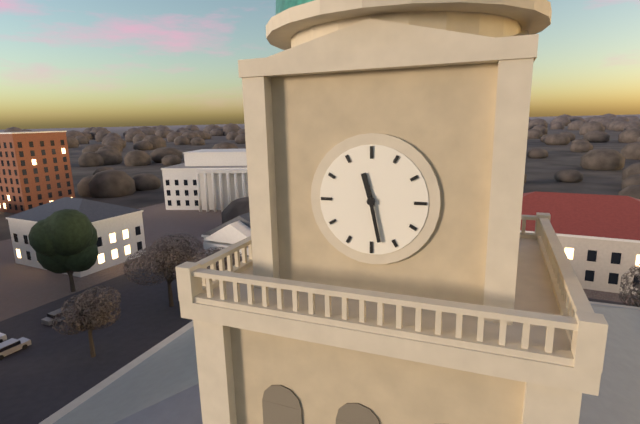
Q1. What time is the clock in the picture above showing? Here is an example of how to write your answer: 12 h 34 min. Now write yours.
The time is 11 h 28 min
